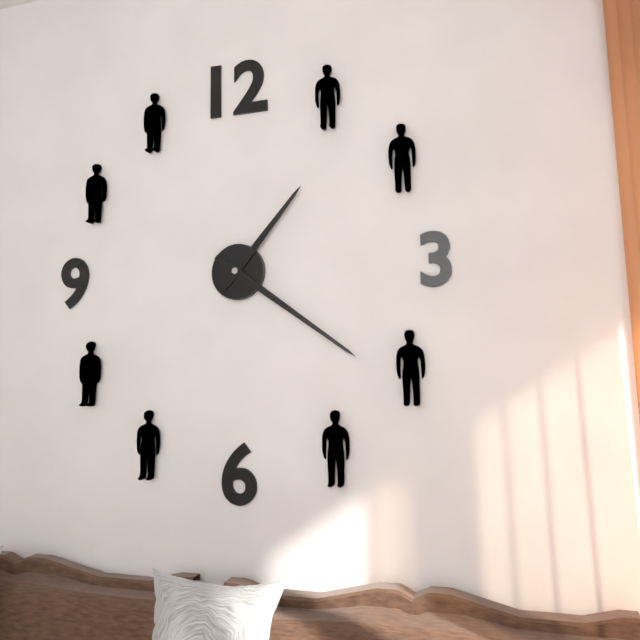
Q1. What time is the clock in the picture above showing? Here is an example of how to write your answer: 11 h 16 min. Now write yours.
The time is 1 h 21 min
